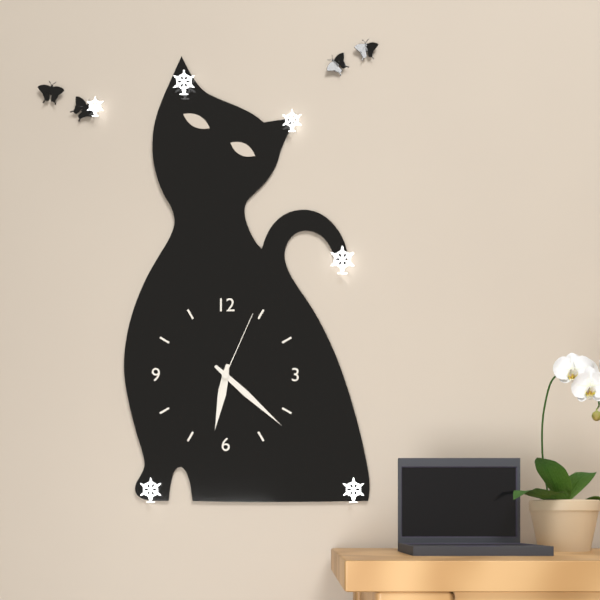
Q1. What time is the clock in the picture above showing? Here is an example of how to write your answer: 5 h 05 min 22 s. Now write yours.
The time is 6 h 22 min 04 s
